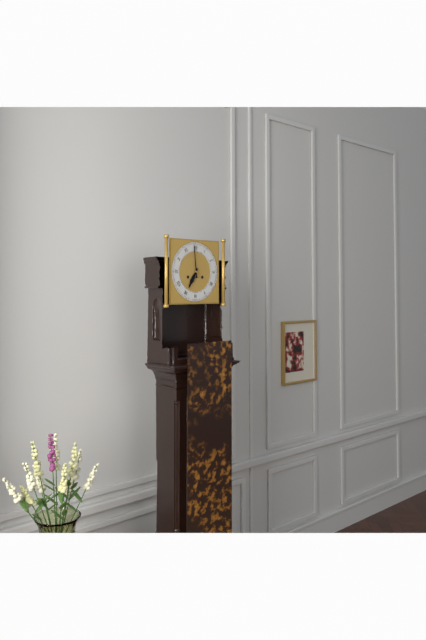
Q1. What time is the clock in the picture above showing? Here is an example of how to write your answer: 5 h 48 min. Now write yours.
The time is 6 h 59 min
